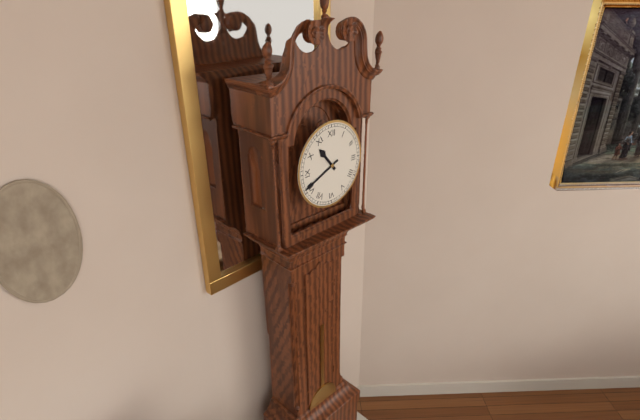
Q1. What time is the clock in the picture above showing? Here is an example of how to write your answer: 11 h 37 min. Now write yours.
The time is 10 h 41 min
